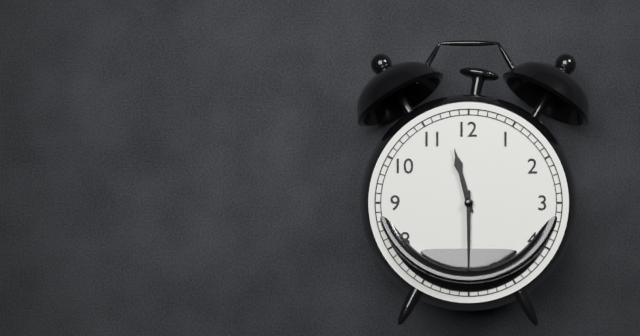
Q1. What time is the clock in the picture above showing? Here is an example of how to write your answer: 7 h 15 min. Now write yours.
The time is 11 h 30 min
